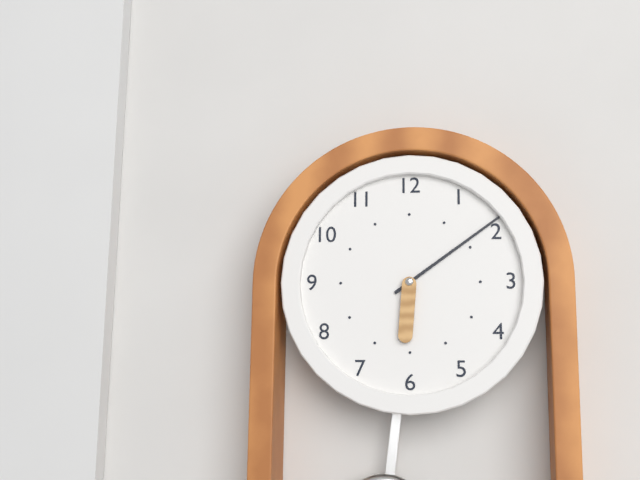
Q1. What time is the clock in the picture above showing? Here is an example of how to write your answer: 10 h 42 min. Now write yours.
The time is 6 h 09 min
